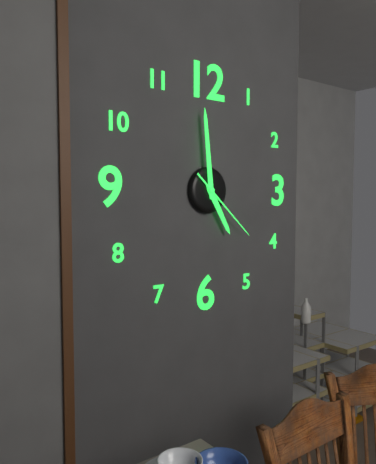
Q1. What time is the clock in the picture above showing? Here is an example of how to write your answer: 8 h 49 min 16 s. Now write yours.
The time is 4 h 59 min 22 s
